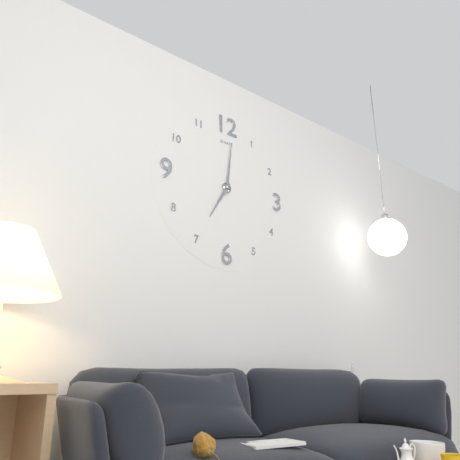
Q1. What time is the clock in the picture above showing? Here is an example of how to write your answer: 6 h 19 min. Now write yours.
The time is 7 h 01 min
